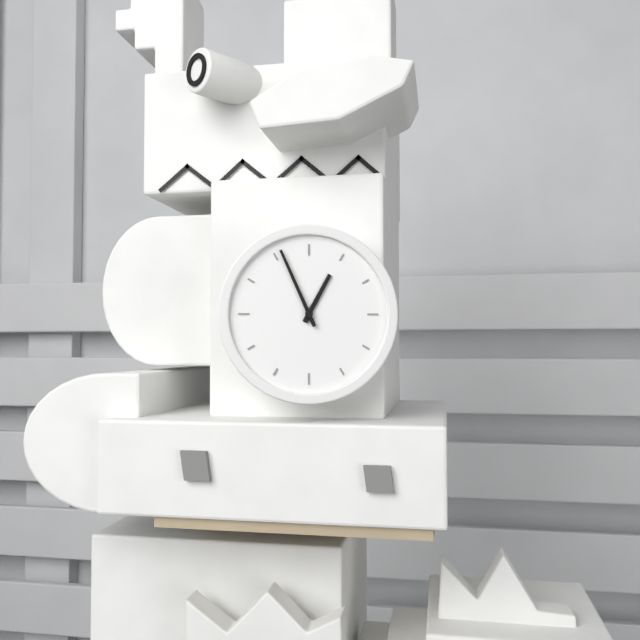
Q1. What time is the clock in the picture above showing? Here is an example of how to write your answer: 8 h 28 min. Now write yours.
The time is 12 h 56 min
